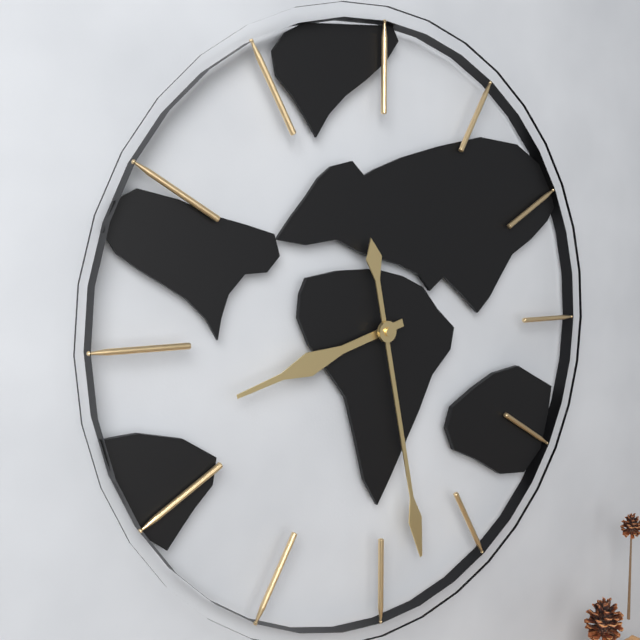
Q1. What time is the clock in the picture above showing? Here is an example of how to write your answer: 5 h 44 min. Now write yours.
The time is 8 h 28 min
